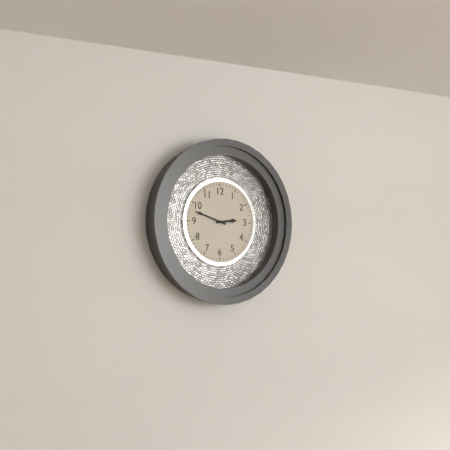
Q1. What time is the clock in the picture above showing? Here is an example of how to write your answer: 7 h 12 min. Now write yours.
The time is 2 h 48 min
